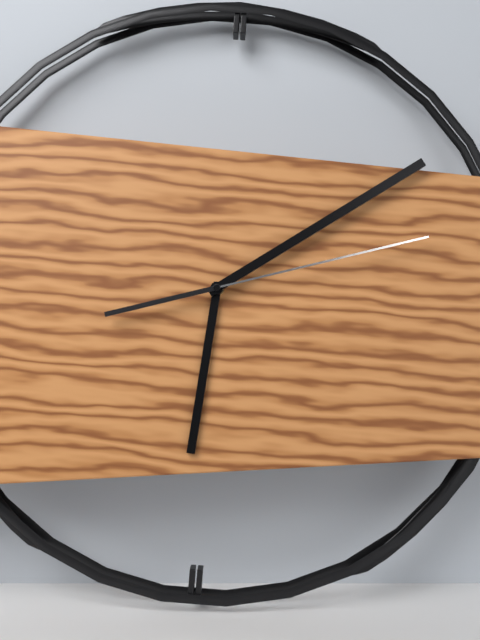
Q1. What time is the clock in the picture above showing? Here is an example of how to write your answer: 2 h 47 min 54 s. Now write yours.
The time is 6 h 09 min 12 s
